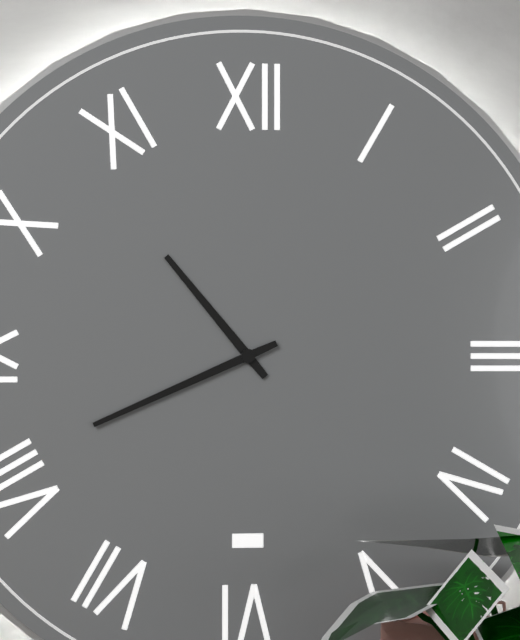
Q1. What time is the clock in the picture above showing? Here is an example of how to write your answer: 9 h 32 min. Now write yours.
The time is 10 h 41 min
